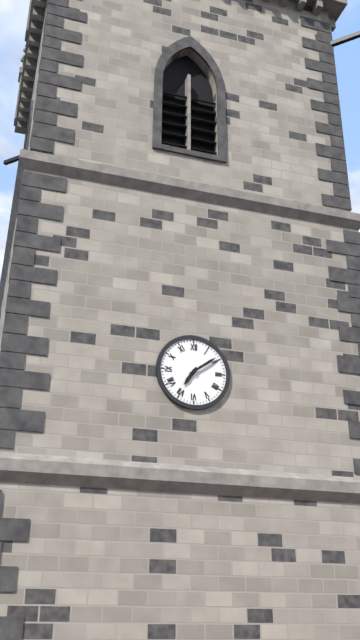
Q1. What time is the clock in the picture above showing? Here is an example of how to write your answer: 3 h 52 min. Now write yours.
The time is 7 h 09 min
